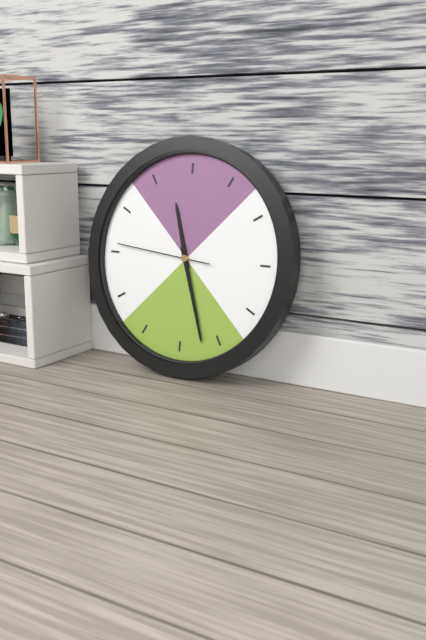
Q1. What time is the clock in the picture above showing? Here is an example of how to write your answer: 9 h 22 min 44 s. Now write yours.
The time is 11 h 27 min 46 s
